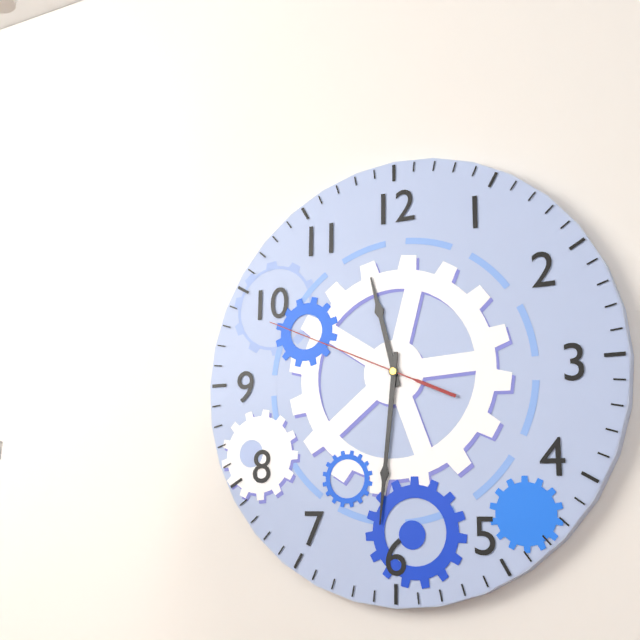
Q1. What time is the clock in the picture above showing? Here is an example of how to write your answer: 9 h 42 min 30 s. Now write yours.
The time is 11 h 31 min 49 s
